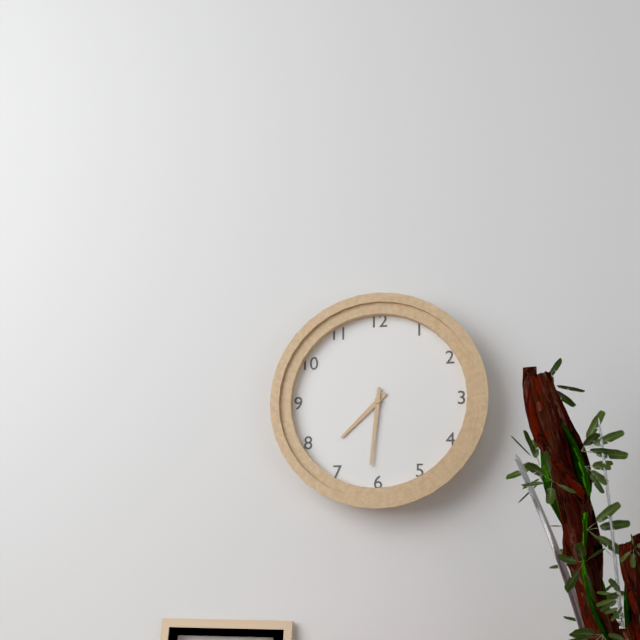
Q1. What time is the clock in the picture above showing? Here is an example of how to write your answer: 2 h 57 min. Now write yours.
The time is 7 h 31 min
